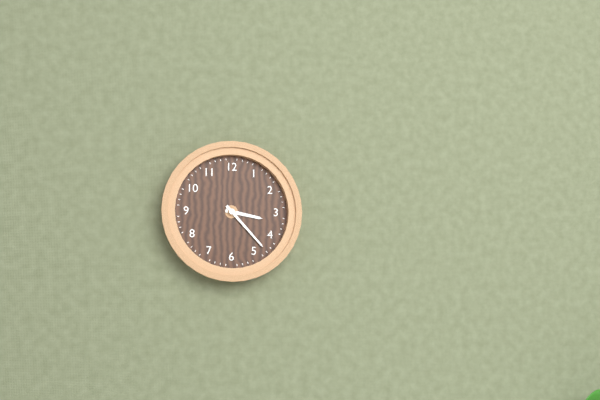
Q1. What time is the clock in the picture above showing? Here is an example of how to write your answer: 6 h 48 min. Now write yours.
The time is 3 h 23 min
